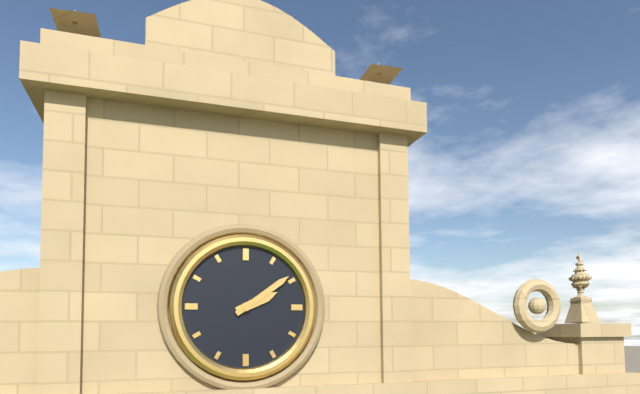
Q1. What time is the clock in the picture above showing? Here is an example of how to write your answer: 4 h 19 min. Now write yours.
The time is 2 h 09 min
